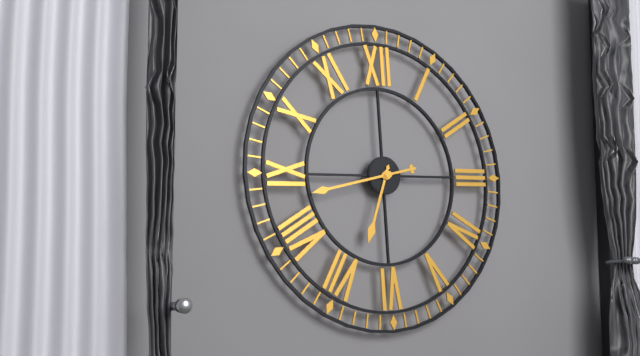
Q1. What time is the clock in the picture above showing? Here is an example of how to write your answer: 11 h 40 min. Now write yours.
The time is 6 h 43 min
